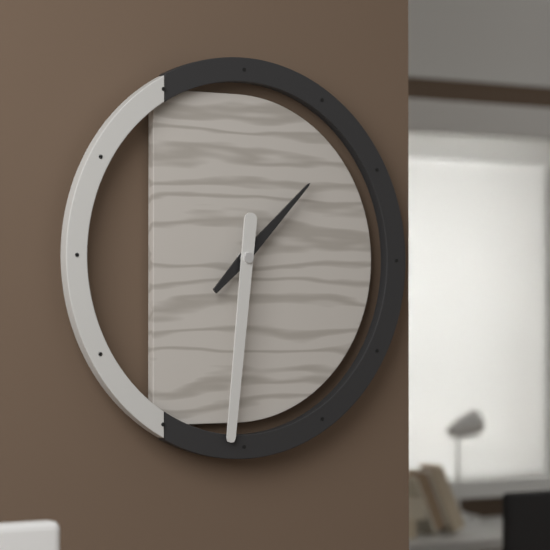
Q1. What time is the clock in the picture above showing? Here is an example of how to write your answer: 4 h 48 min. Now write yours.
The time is 1 h 31 min
